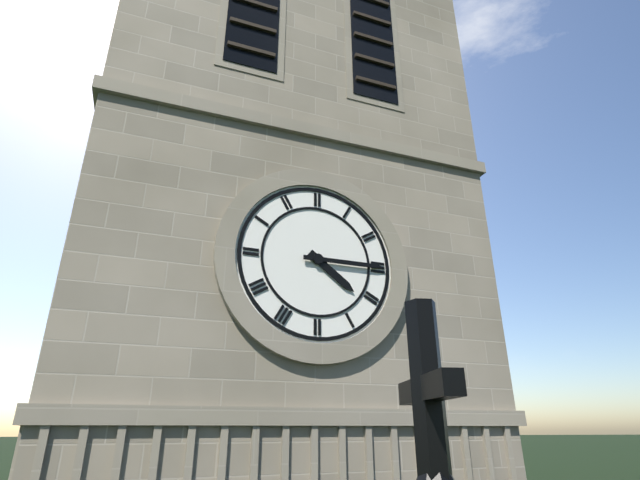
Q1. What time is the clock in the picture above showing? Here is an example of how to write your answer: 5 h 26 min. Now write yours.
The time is 4 h 15 min
